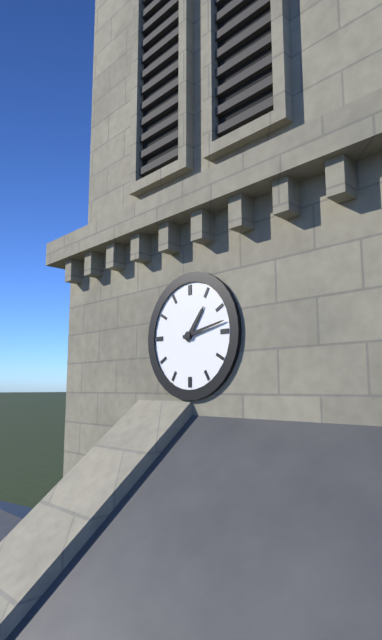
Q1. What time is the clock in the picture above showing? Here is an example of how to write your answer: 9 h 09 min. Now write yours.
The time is 1 h 13 min
